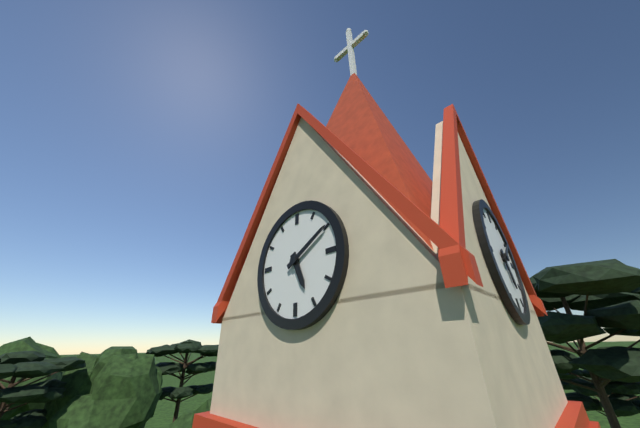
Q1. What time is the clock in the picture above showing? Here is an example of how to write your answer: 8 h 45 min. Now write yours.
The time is 5 h 10 min
